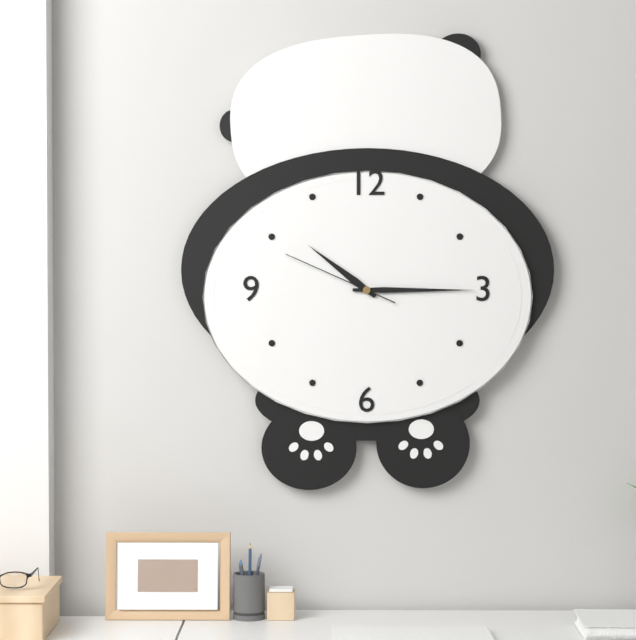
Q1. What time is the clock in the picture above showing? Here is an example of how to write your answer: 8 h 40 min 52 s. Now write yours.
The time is 10 h 15 min 49 s
